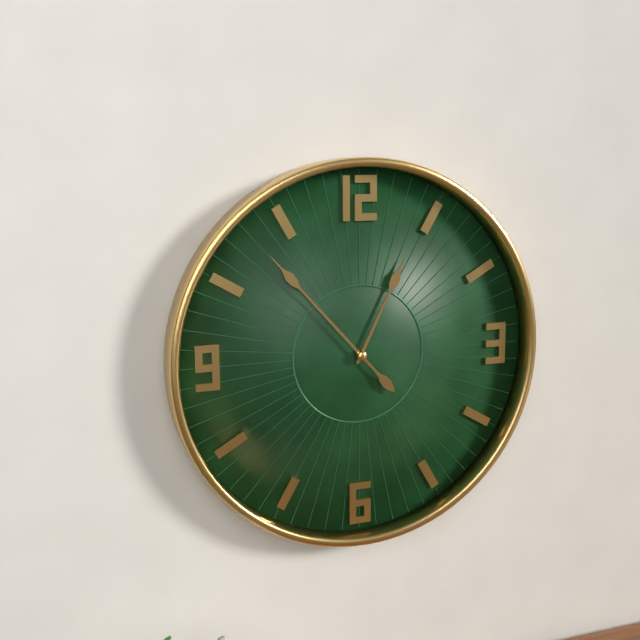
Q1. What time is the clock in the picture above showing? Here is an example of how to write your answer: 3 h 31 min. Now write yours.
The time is 12 h 53 min
